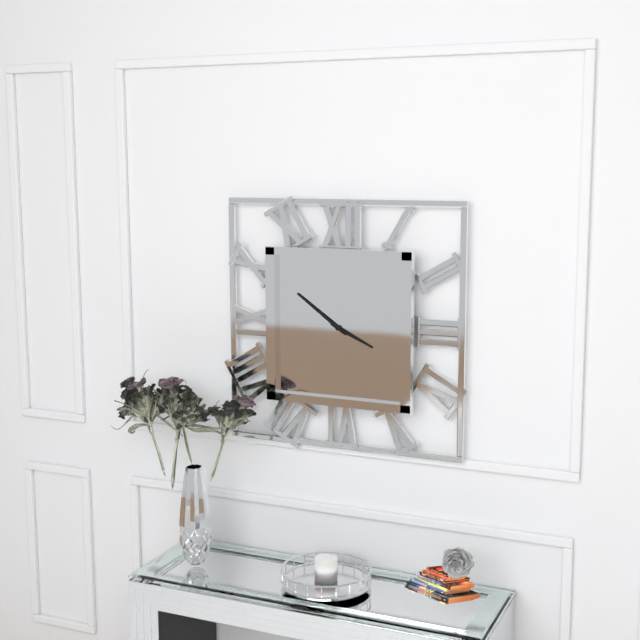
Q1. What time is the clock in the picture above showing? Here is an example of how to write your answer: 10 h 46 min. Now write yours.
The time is 3 h 51 min
